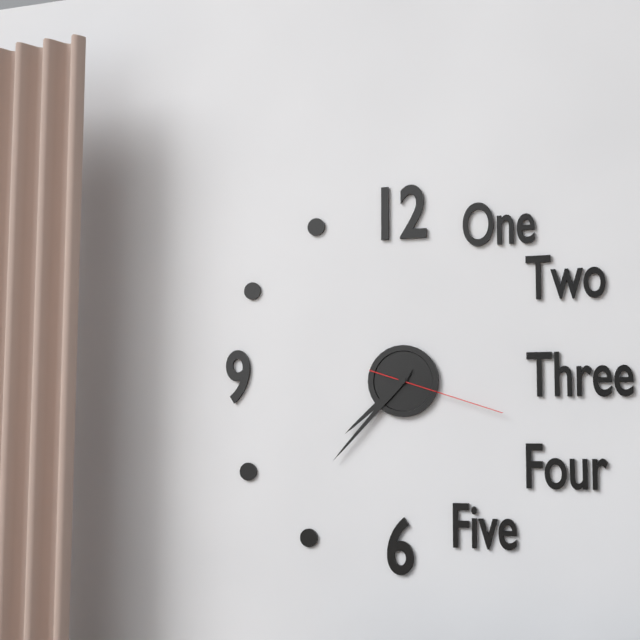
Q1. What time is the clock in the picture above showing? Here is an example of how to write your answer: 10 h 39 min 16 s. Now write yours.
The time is 7 h 37 min 18 s
